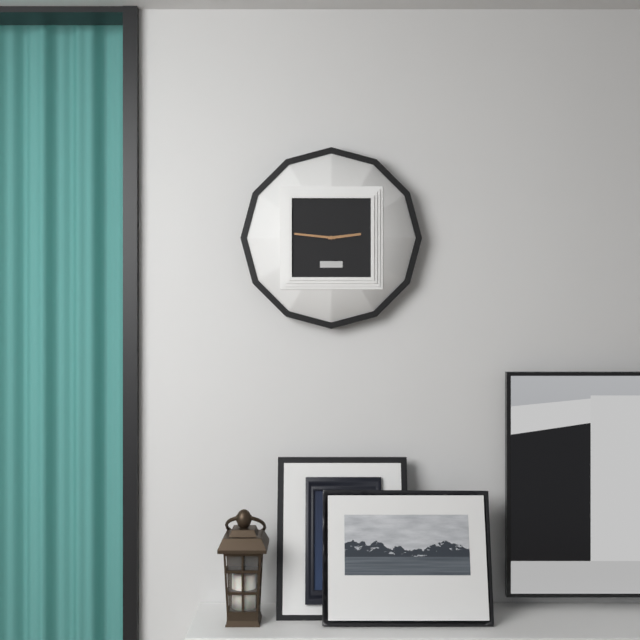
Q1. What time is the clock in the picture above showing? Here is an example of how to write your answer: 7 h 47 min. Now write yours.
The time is 2 h 46 min
